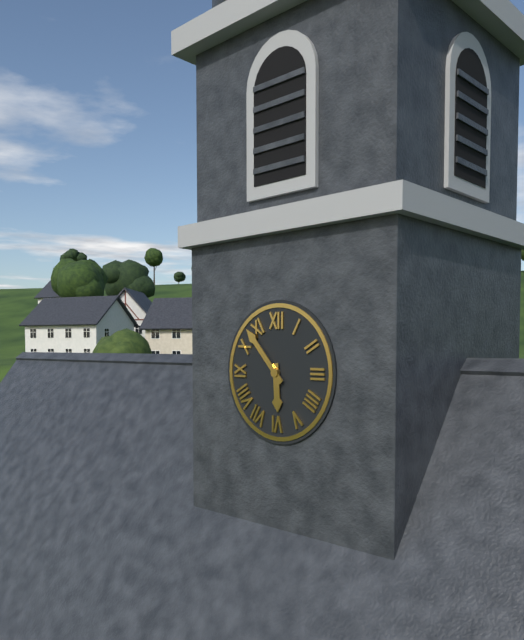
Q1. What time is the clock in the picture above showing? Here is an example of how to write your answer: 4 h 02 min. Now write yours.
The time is 5 h 53 min
